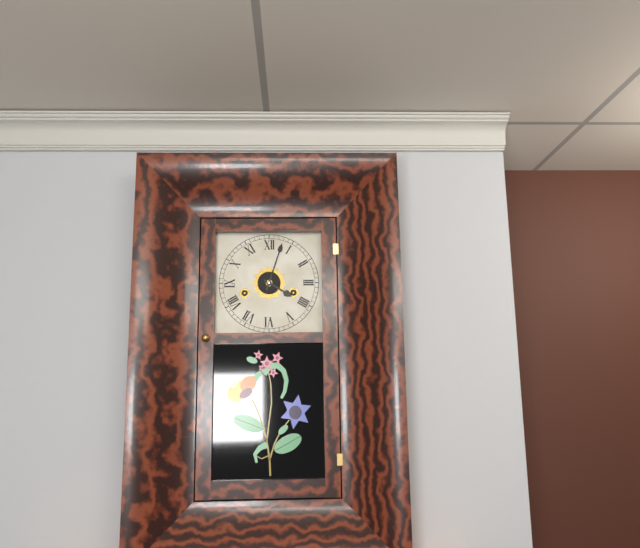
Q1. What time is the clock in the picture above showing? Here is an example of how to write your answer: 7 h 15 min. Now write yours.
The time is 4 h 03 min
